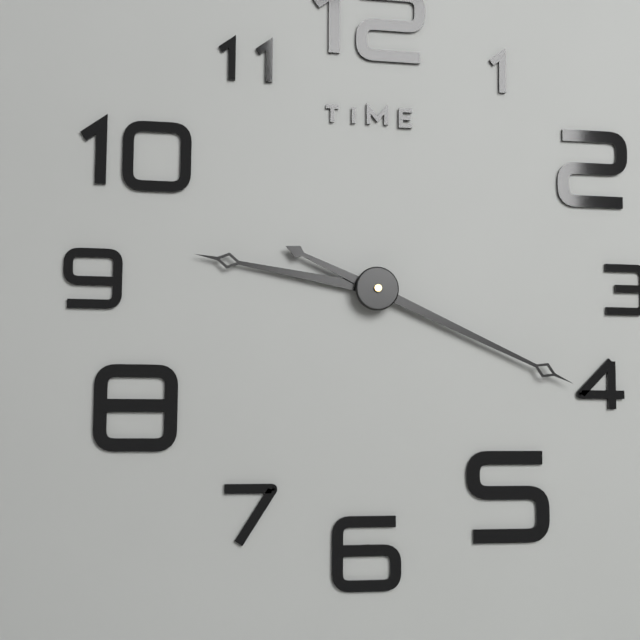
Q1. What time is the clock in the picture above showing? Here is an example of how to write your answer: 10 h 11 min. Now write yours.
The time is 9 h 19 min
